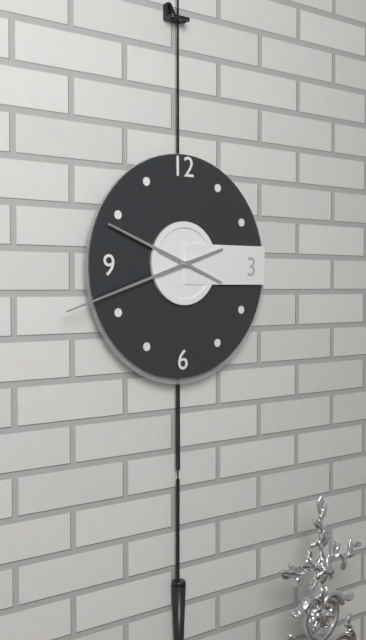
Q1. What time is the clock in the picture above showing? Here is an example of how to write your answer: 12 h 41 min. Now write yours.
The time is 9 h 42 min
